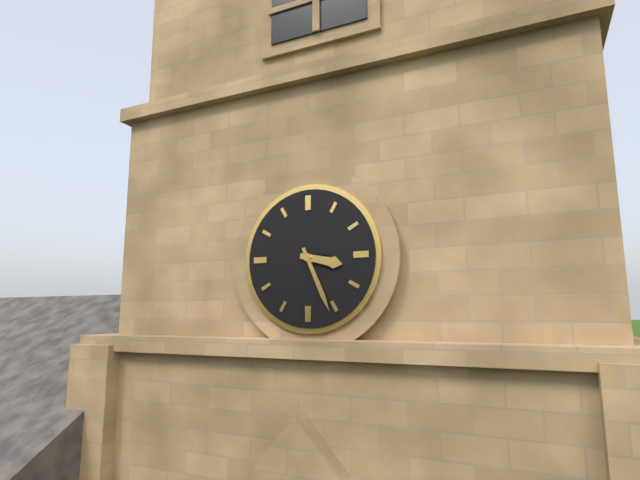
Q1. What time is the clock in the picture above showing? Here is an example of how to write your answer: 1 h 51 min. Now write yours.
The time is 3 h 26 min
